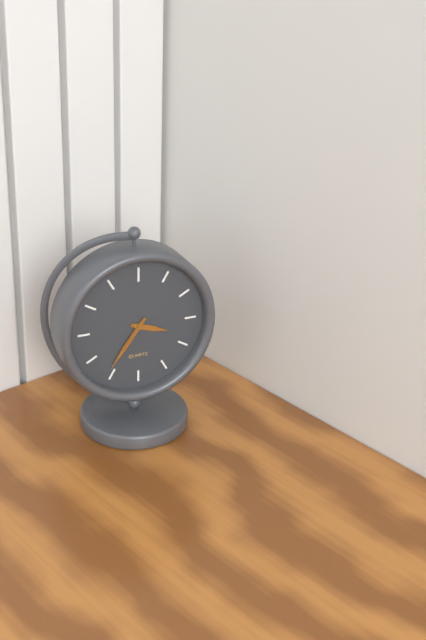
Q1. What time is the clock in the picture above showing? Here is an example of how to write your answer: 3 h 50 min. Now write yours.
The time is 3 h 36 min
